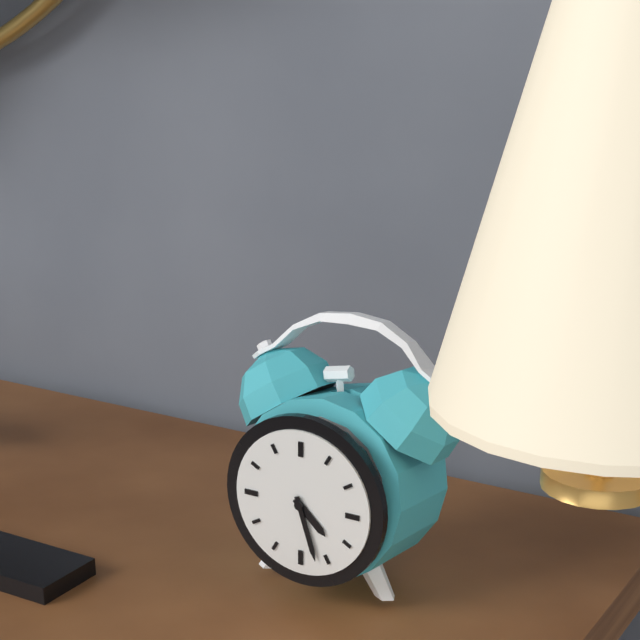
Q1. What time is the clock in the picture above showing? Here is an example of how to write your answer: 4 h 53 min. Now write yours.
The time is 4 h 27 min
